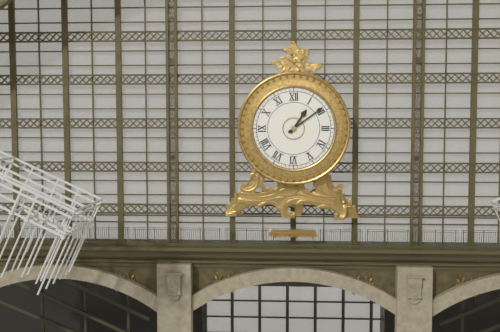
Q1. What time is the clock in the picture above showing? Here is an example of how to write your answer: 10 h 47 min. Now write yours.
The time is 1 h 09 min
